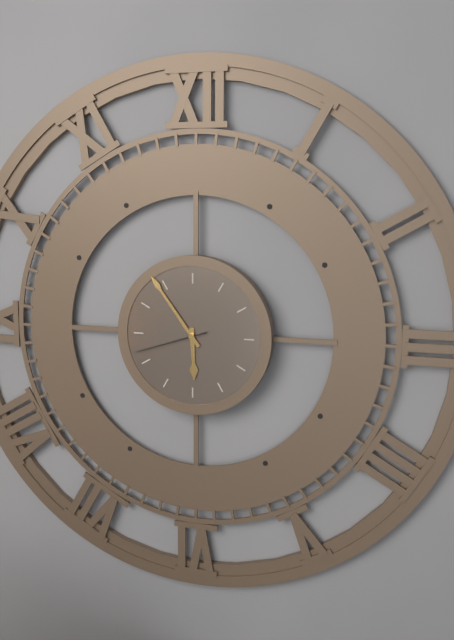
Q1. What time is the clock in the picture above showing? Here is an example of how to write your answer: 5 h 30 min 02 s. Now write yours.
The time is 5 h 54 min 42 s
